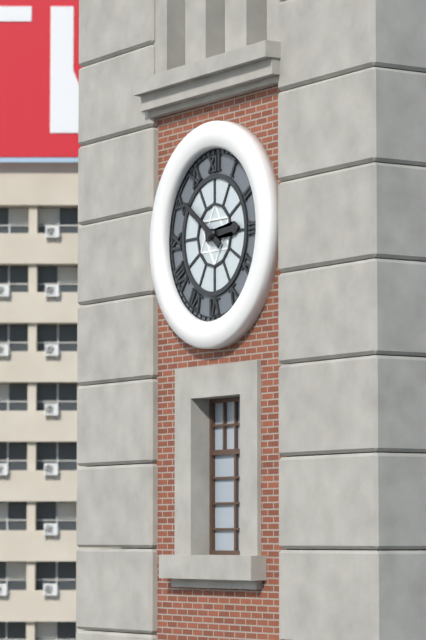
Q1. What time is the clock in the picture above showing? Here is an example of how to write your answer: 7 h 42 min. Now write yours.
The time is 2 h 51 min
